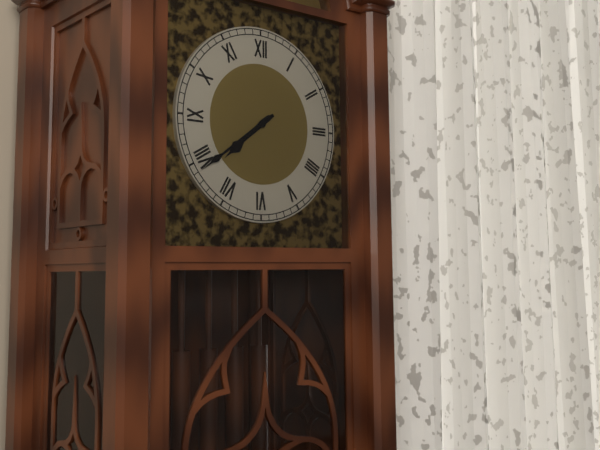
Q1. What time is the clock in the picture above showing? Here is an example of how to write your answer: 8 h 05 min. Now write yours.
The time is 7 h 39 min
